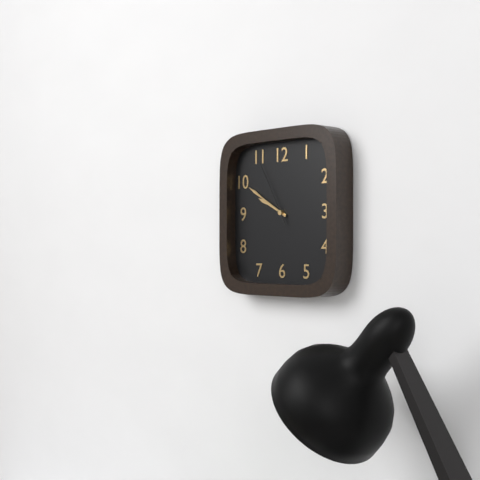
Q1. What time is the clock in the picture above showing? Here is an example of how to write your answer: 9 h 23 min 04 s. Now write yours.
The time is 9 h 50 min 55 s
